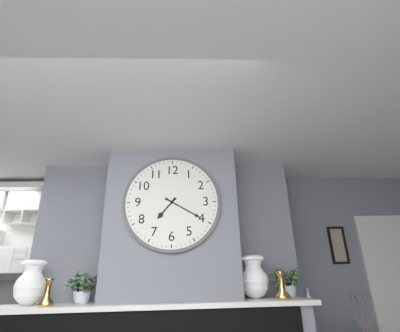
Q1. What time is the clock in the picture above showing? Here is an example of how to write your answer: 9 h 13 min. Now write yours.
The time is 7 h 20 min
